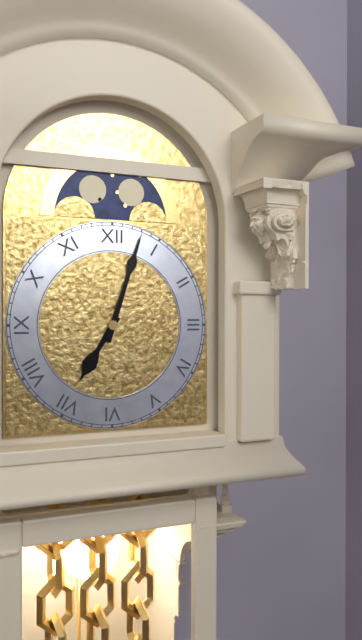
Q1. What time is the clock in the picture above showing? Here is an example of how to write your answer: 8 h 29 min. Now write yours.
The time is 7 h 03 min
